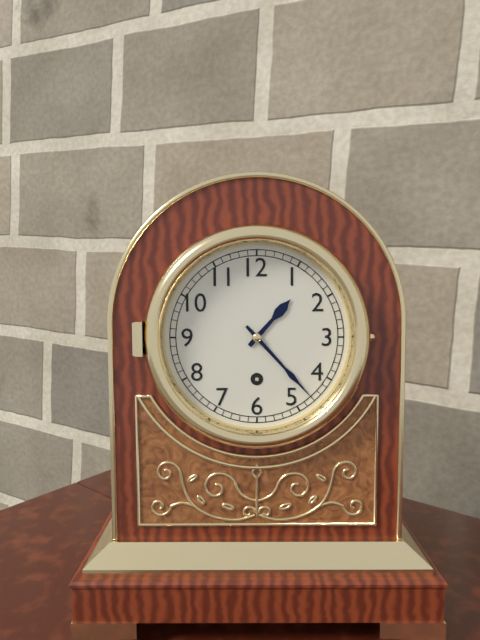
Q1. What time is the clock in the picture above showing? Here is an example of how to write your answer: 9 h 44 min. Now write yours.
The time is 1 h 23 min
